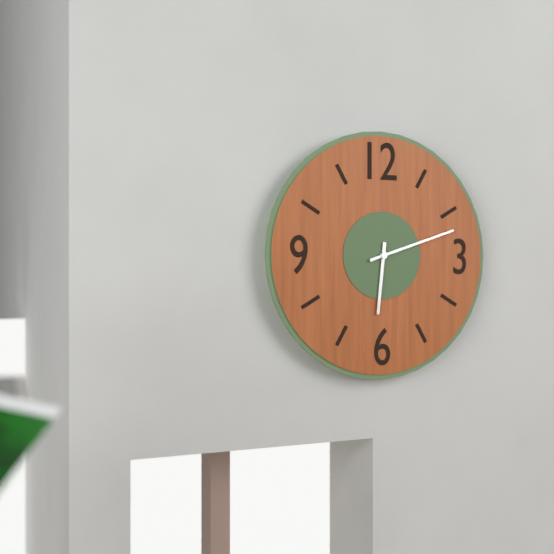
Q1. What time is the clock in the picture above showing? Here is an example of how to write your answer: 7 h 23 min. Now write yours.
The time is 6 h 12 min
